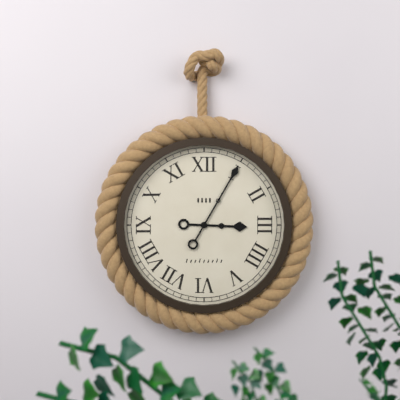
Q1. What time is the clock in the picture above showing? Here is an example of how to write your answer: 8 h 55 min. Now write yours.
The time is 3 h 05 min
